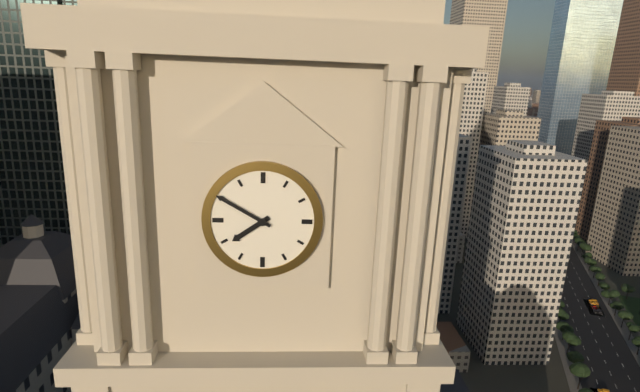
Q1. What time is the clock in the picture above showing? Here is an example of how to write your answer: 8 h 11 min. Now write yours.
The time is 7 h 50 min
